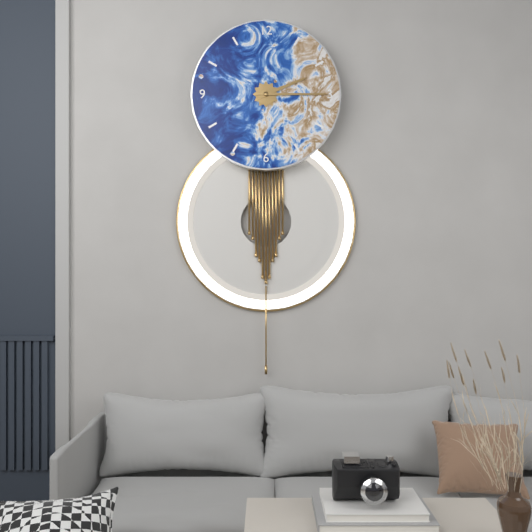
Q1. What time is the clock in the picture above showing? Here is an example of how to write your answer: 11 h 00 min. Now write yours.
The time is 2 h 15 min
